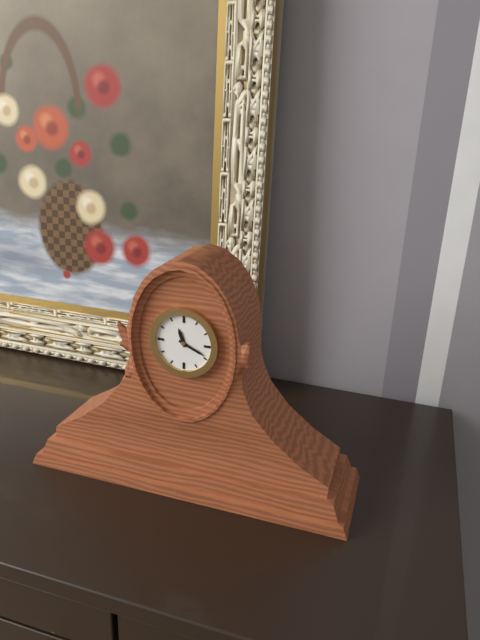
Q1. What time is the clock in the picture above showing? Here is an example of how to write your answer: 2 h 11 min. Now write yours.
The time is 11 h 19 min
